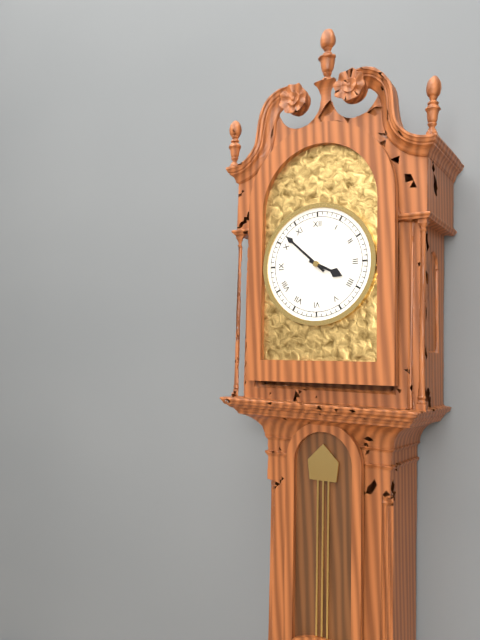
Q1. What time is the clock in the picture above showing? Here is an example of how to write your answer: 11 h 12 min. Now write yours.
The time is 3 h 52 min
